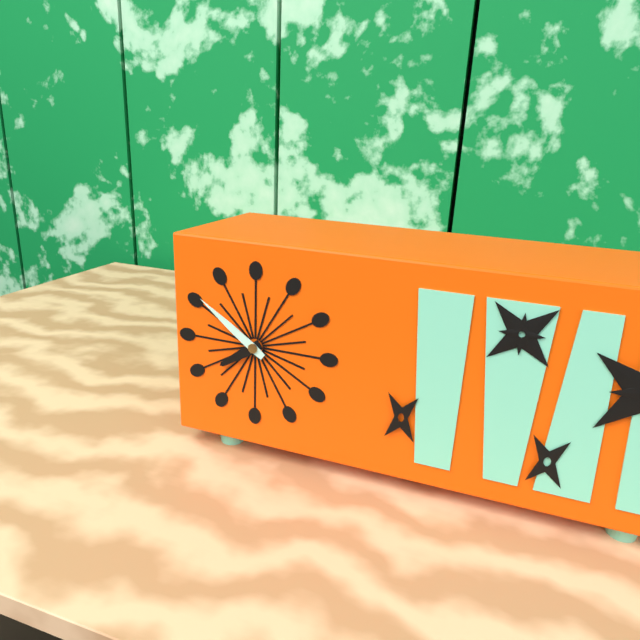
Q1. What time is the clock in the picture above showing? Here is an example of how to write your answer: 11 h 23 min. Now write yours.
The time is 7 h 51 min
